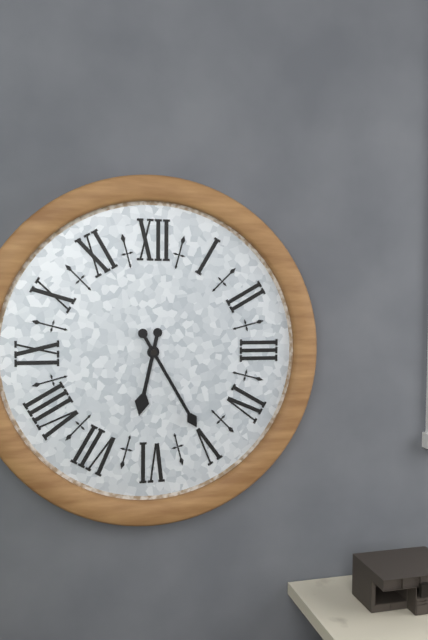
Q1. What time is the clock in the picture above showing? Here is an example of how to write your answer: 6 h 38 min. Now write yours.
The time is 6 h 25 min
